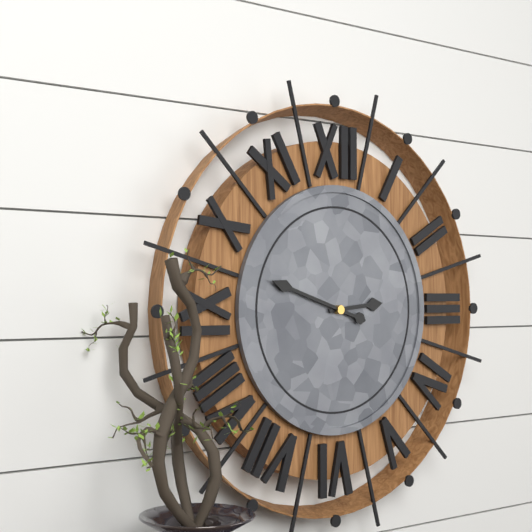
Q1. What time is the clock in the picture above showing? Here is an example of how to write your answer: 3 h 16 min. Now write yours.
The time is 2 h 48 min
